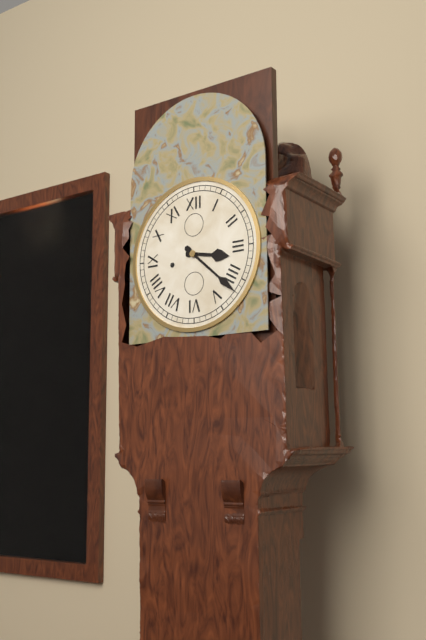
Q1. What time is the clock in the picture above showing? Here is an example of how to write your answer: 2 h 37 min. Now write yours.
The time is 3 h 22 min
